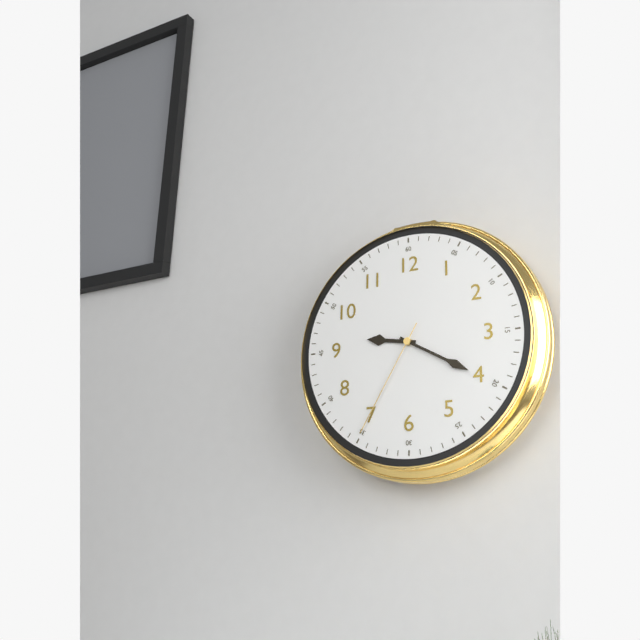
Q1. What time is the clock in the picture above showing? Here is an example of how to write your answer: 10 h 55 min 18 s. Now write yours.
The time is 9 h 20 min 35 s
